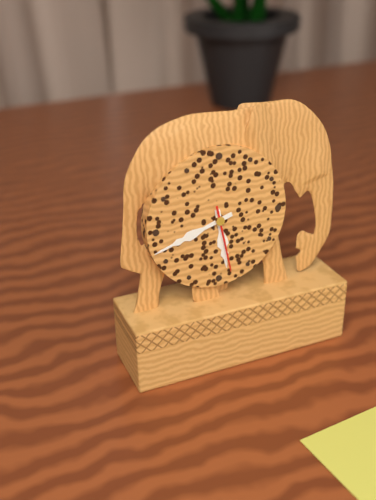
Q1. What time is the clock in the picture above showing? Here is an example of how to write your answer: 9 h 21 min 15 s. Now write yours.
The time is 5 h 42 min 28 s
